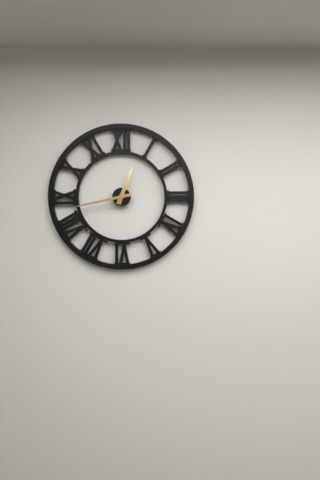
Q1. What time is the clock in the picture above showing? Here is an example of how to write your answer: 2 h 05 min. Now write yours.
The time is 12 h 43 min
